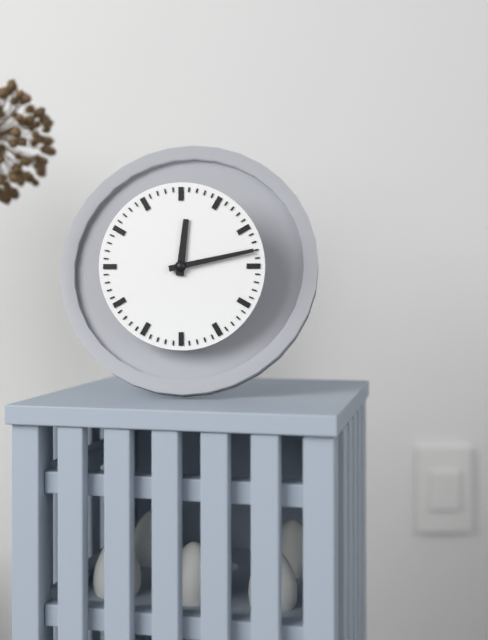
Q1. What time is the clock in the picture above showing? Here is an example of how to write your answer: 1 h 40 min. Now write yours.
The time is 12 h 13 min
